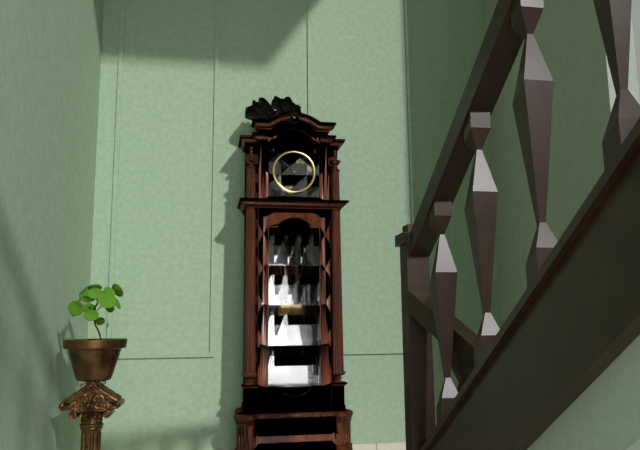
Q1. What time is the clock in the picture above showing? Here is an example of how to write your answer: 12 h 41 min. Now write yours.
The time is 2 h 52 min
